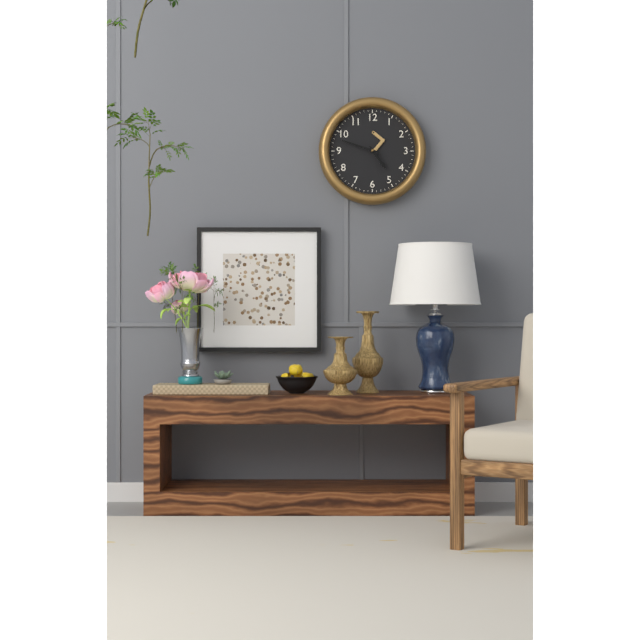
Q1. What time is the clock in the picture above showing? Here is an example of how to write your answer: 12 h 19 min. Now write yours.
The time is 4 h 48 min
